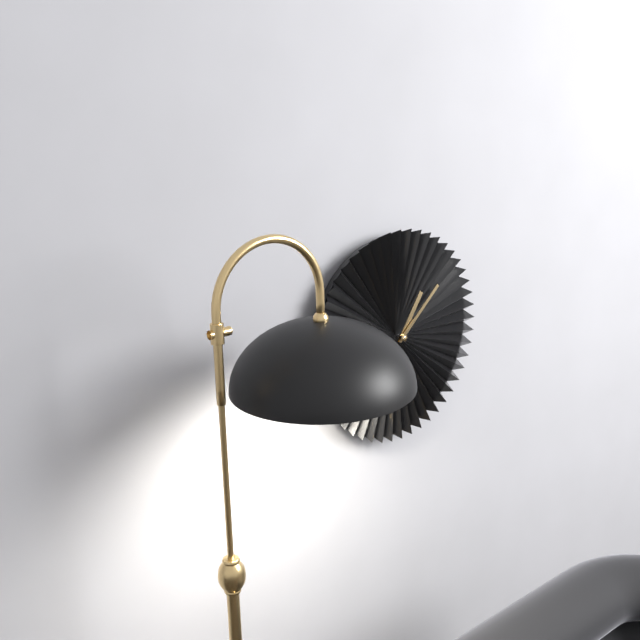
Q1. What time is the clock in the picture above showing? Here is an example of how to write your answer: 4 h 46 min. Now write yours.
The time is 1 h 08 min
